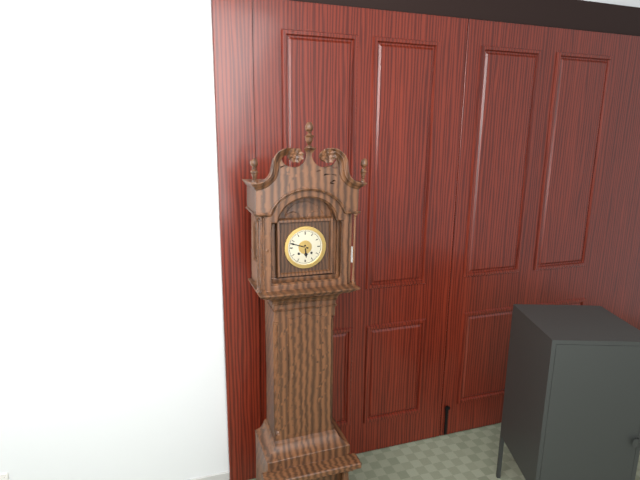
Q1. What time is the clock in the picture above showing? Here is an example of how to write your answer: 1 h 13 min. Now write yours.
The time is 5 h 48 min
